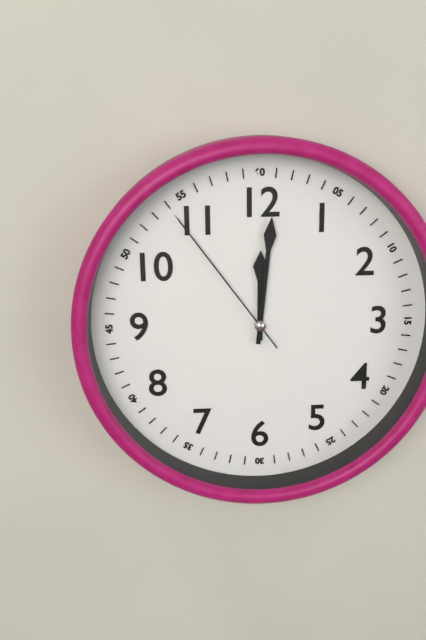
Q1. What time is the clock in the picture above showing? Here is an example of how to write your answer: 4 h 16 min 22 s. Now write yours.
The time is 12 h 01 min 54 s
